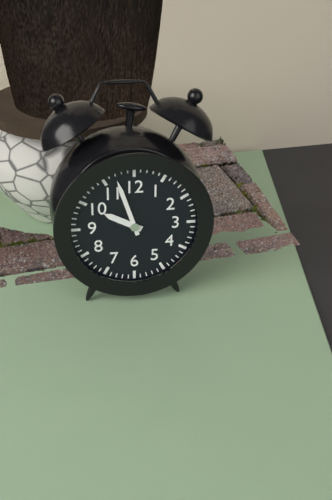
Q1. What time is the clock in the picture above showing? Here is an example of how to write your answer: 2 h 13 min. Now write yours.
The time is 9 h 57 min
